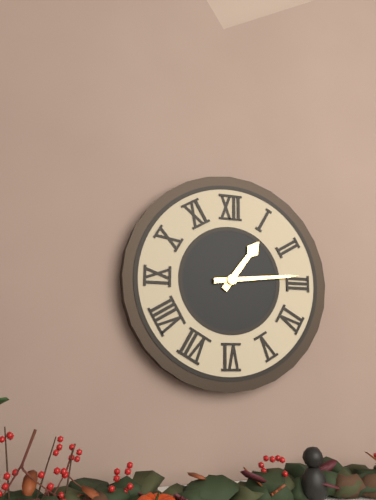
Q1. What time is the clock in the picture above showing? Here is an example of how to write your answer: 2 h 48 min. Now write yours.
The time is 1 h 14 min
